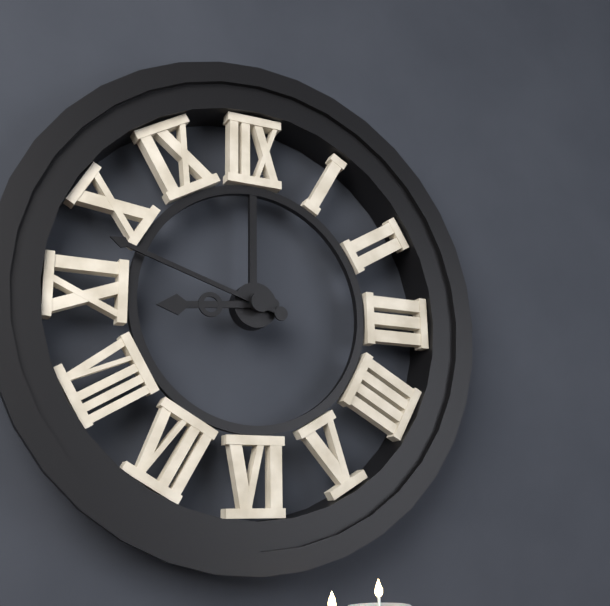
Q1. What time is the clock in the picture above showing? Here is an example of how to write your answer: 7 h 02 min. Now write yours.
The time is 8 h 48 min
